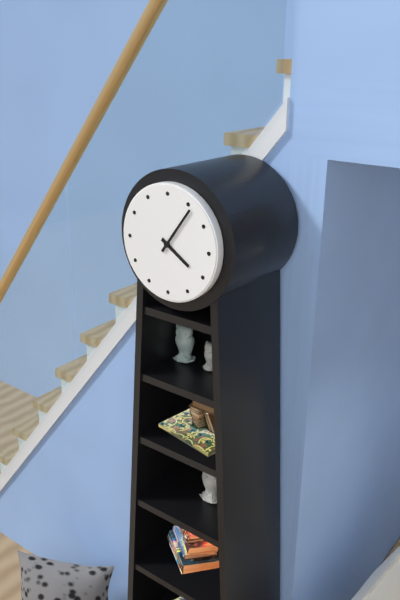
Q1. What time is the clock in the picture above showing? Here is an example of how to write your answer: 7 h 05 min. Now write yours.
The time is 4 h 06 min
